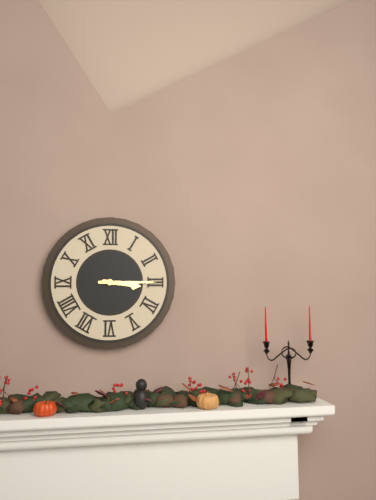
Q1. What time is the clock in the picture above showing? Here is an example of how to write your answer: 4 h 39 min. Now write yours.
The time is 3 h 15 min
